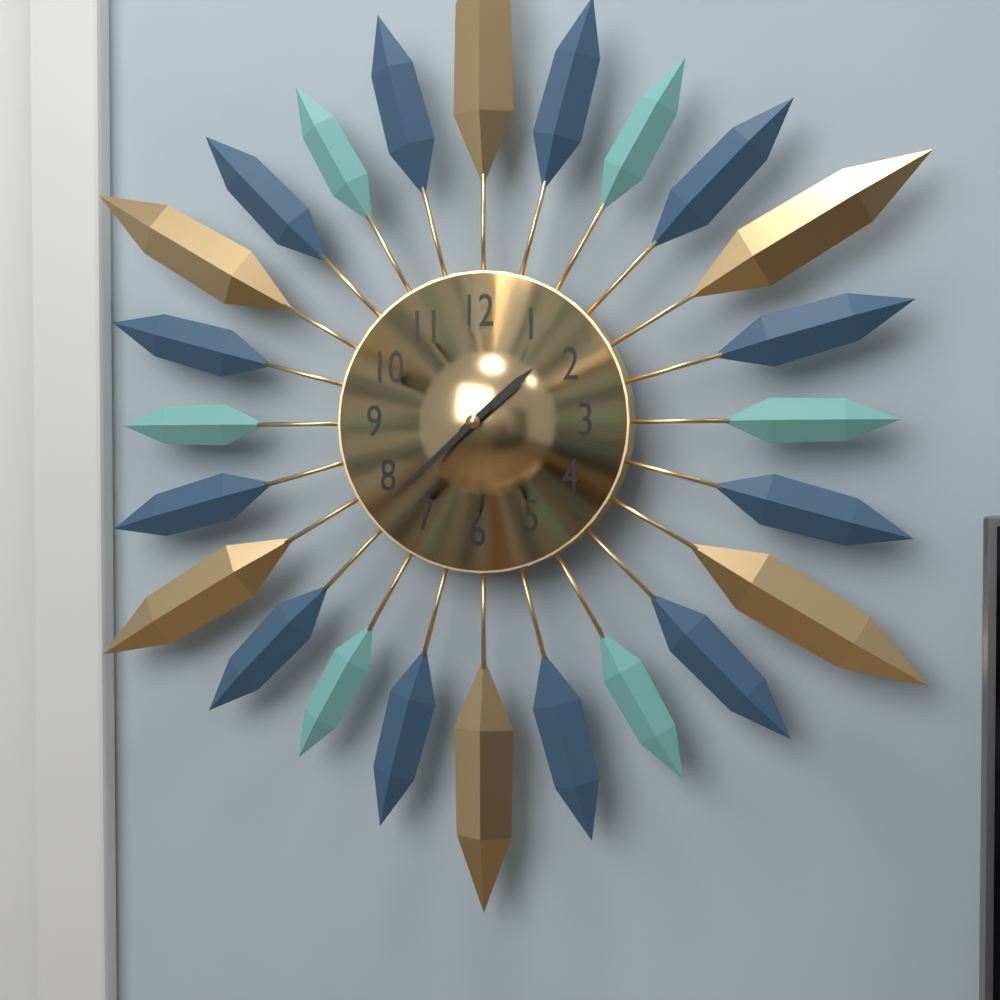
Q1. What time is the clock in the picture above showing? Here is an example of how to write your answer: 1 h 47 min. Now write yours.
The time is 1 h 38 min
